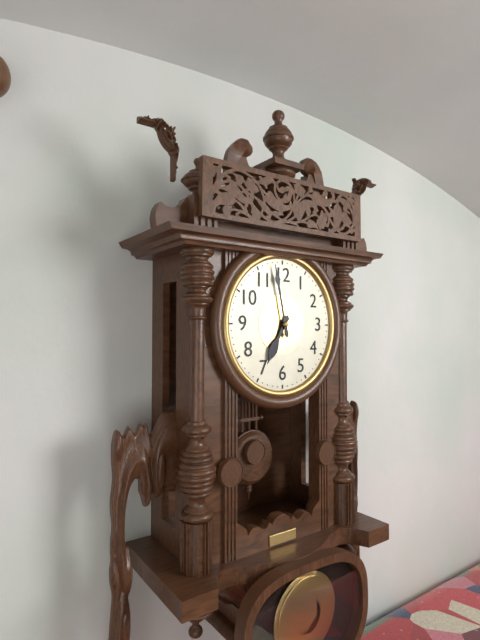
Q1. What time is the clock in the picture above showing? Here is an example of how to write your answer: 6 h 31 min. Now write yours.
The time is 6 h 58 min
